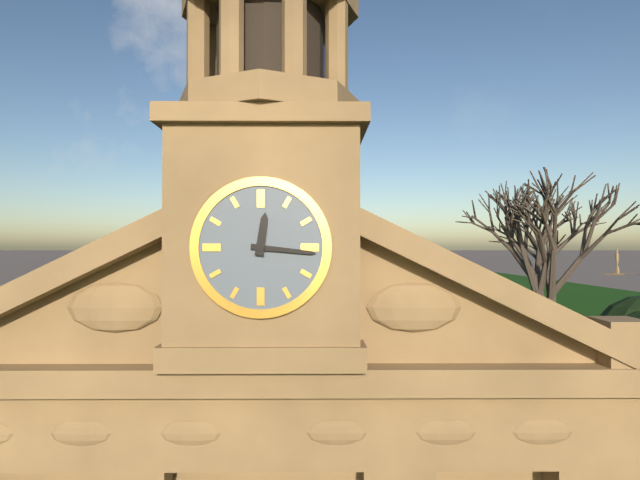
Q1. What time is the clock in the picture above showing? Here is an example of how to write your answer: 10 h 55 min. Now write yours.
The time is 12 h 16 min
